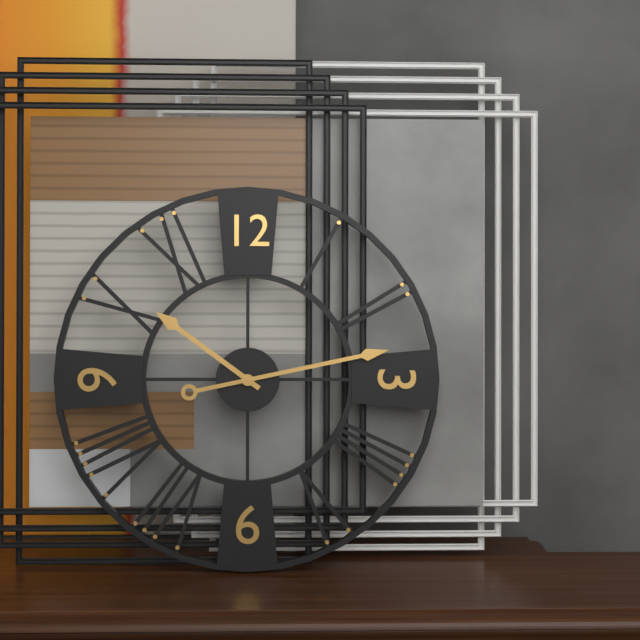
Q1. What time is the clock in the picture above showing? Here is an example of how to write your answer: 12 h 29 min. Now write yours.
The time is 10 h 13 min
